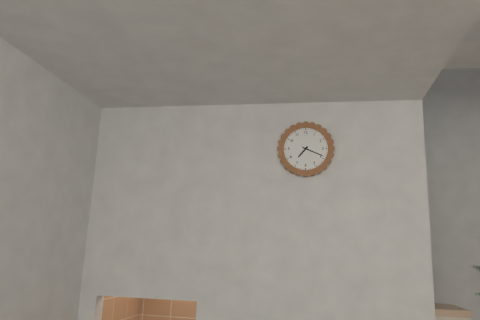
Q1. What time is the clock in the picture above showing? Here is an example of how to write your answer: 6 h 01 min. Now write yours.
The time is 7 h 19 min
